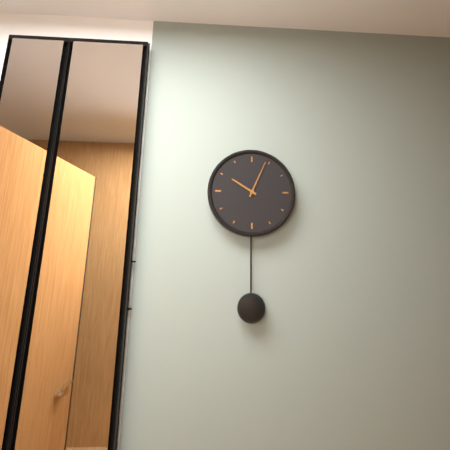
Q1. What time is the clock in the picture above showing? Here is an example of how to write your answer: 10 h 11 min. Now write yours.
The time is 10 h 04 min
